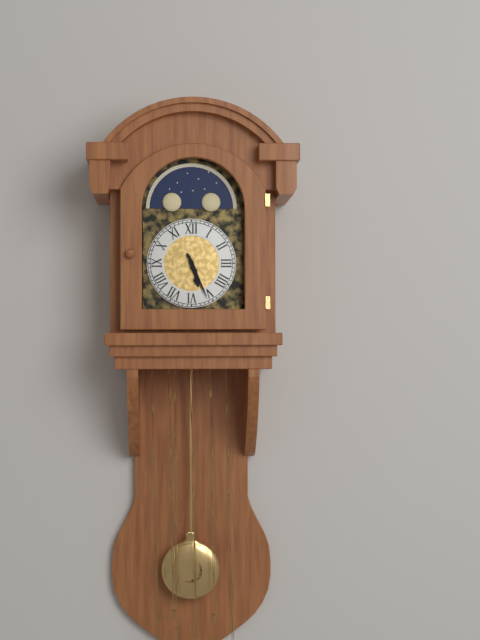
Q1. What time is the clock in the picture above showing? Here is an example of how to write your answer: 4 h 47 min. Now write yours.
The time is 5 h 26 min
